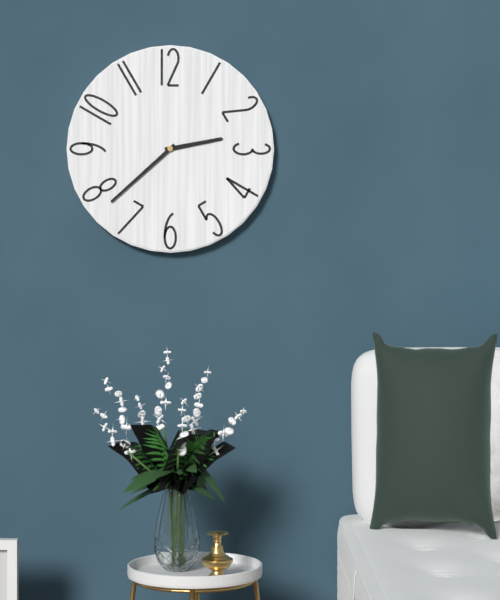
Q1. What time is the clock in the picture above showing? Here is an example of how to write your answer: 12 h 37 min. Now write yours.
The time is 2 h 38 min
